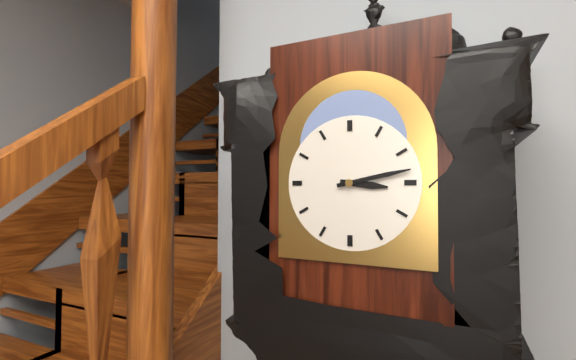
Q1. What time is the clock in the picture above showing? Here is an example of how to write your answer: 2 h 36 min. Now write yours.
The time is 3 h 13 min
